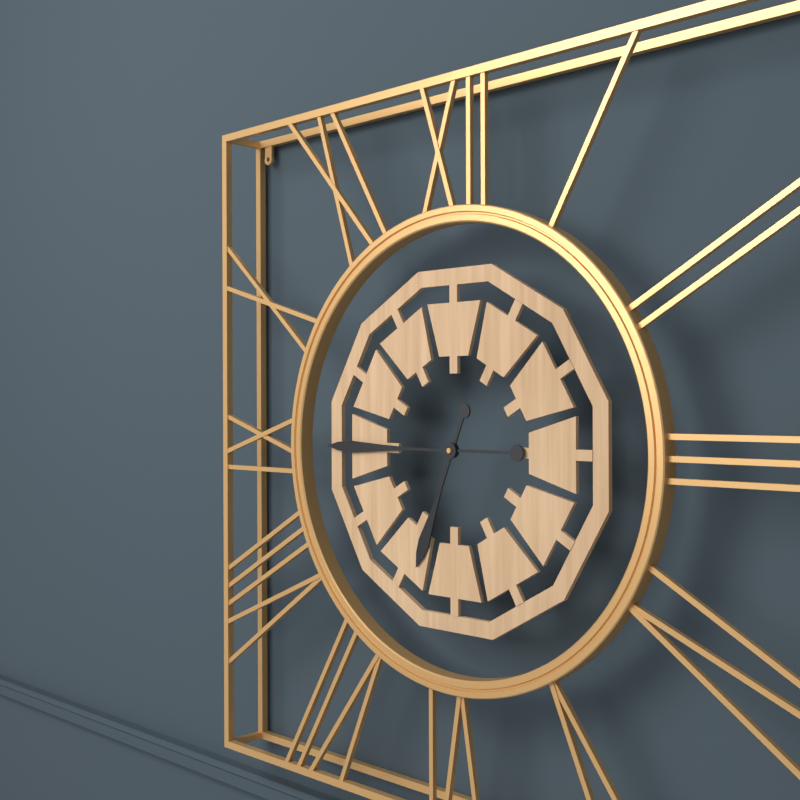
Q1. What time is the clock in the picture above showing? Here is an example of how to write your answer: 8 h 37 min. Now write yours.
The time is 6 h 45 min
